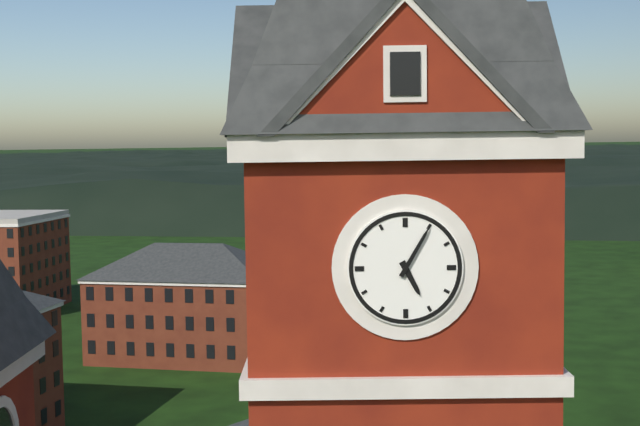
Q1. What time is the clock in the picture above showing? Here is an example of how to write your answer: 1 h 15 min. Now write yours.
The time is 5 h 05 min
